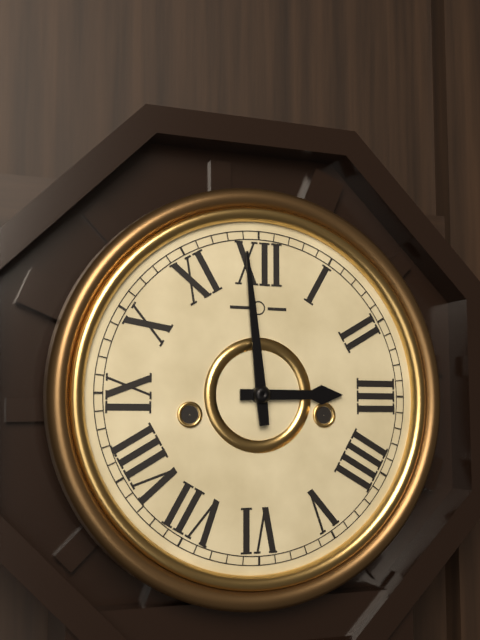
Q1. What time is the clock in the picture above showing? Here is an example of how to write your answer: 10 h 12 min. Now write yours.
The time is 2 h 59 min
